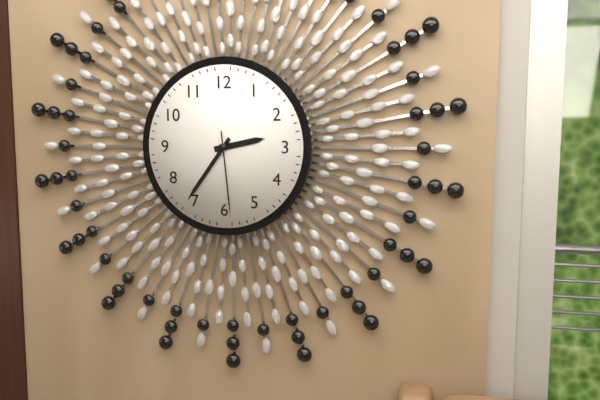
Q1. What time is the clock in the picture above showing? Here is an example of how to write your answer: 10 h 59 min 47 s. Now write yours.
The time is 2 h 36 min 29 s
